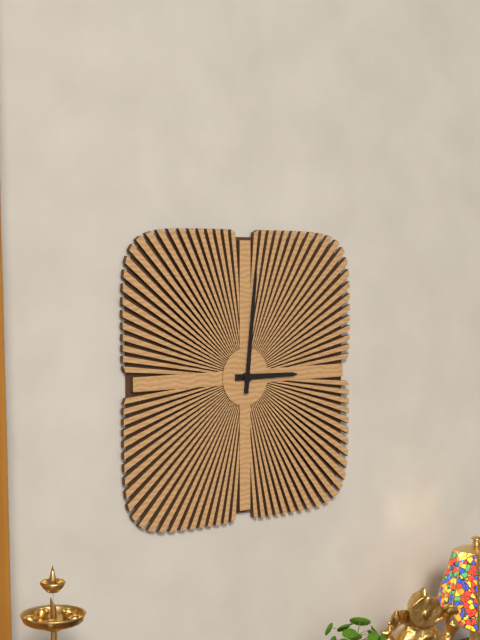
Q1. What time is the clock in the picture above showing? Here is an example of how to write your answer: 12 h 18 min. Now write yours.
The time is 3 h 01 min
